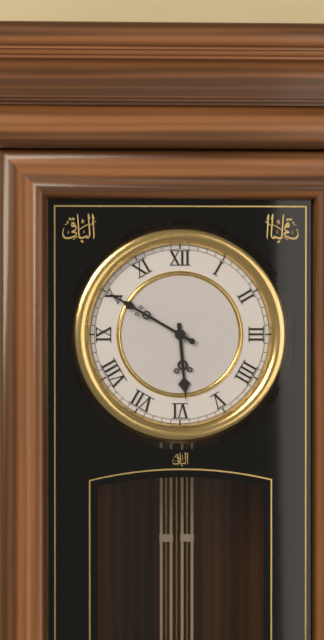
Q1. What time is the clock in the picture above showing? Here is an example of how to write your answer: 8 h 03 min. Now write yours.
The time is 5 h 50 min
